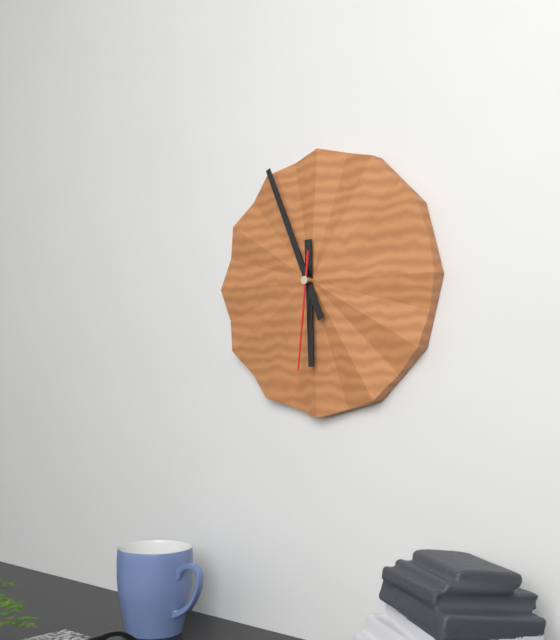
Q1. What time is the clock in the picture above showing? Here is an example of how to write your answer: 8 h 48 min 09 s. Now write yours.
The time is 5 h 56 min 31 s
